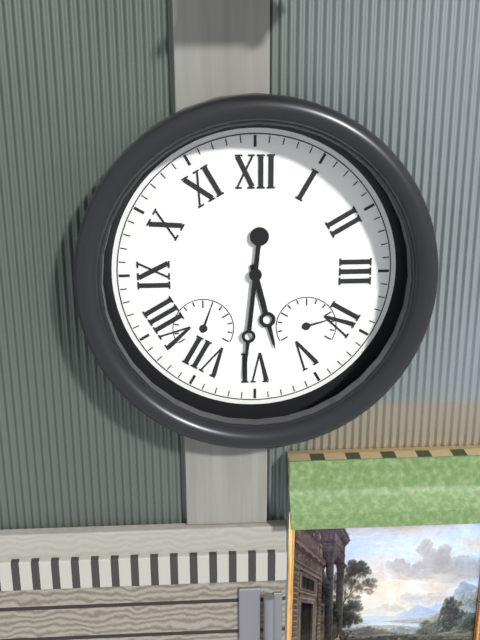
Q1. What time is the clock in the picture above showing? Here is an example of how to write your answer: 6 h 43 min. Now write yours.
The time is 5 h 31 min
